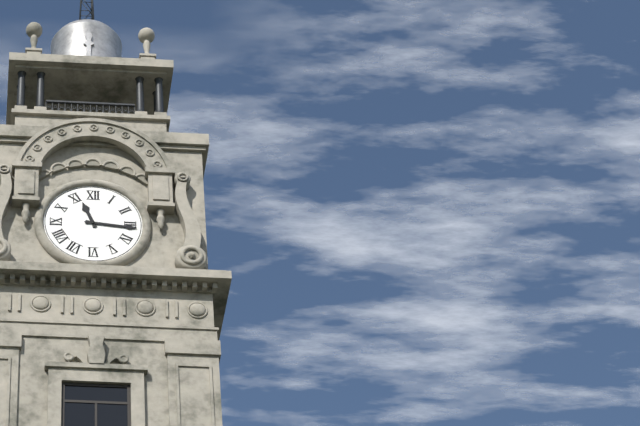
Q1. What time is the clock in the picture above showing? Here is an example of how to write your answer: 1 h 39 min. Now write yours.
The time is 11 h 16 min
